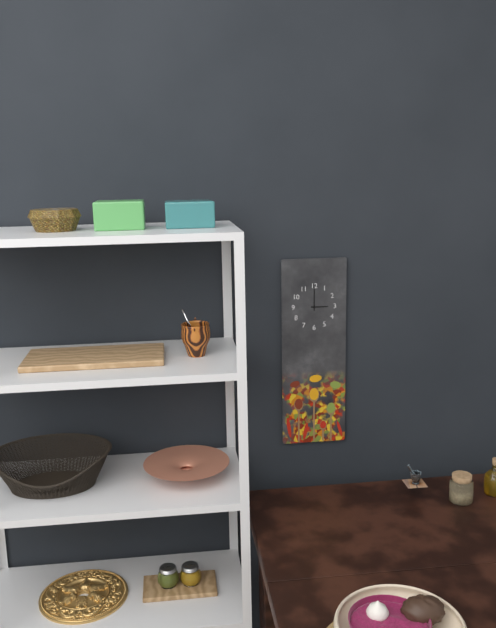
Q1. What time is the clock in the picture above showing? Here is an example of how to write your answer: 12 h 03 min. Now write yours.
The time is 3 h 00 min
